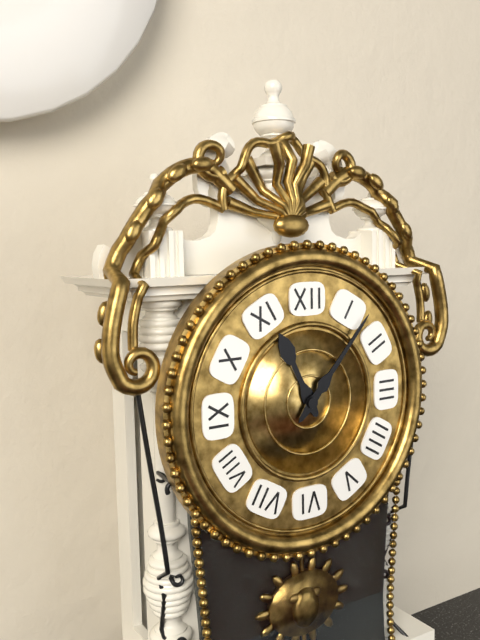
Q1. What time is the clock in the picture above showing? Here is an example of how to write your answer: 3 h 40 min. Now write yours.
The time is 11 h 07 min
